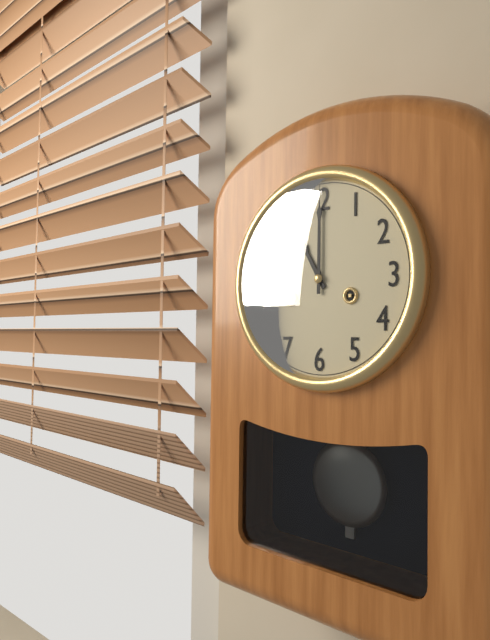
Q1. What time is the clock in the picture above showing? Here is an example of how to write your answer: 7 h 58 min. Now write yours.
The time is 11 h 00 min
